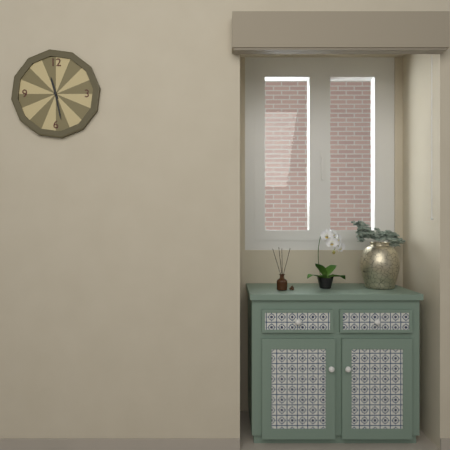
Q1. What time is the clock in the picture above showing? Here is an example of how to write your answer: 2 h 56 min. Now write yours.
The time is 11 h 28 min
